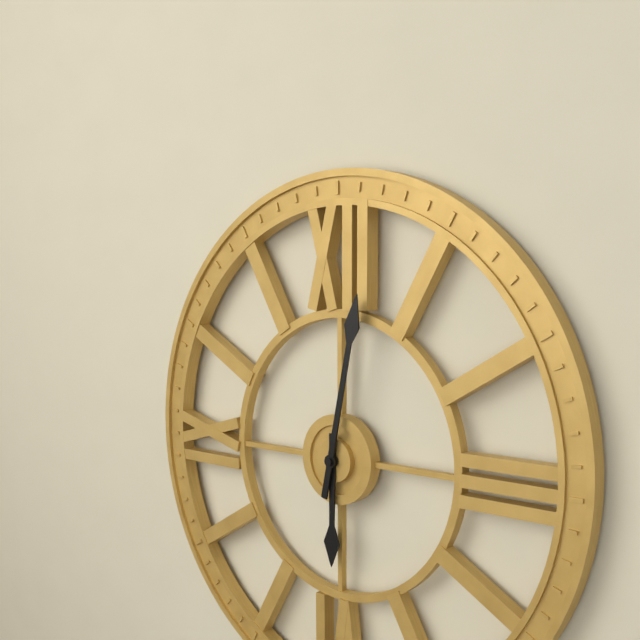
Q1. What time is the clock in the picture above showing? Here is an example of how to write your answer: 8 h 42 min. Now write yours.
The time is 6 h 02 min
